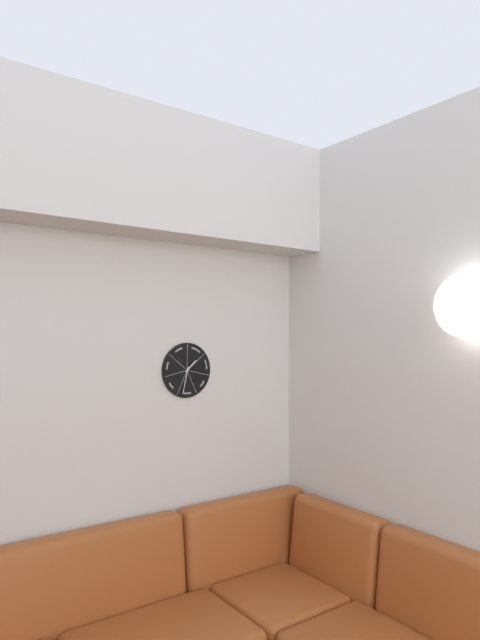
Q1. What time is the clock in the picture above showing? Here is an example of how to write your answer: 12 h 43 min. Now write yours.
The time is 1 h 32 min
